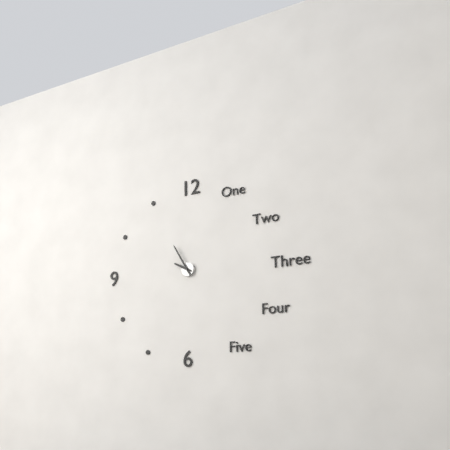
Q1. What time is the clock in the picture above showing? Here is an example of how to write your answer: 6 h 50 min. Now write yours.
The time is 9 h 55 min
